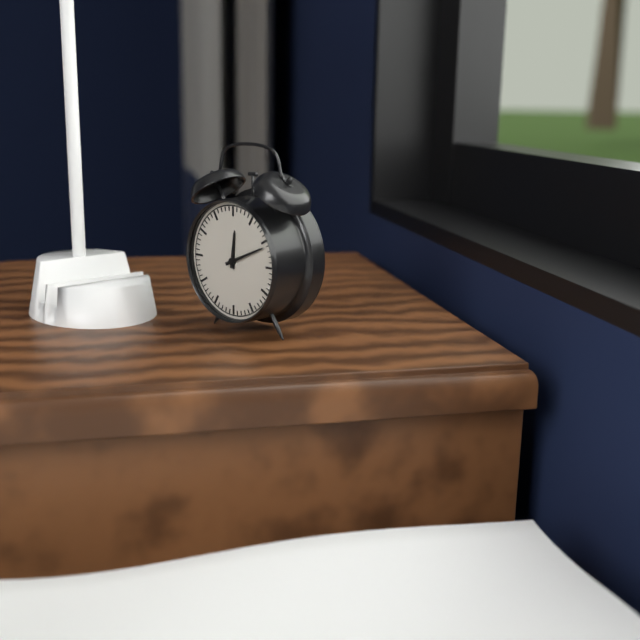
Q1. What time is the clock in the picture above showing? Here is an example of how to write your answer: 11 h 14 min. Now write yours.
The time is 12 h 11 min
